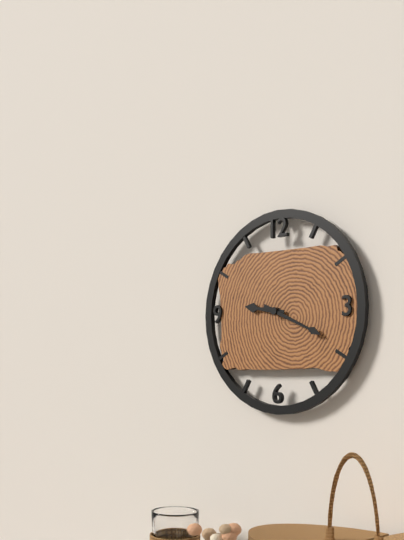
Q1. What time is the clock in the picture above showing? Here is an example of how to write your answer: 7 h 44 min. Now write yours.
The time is 9 h 19 min
